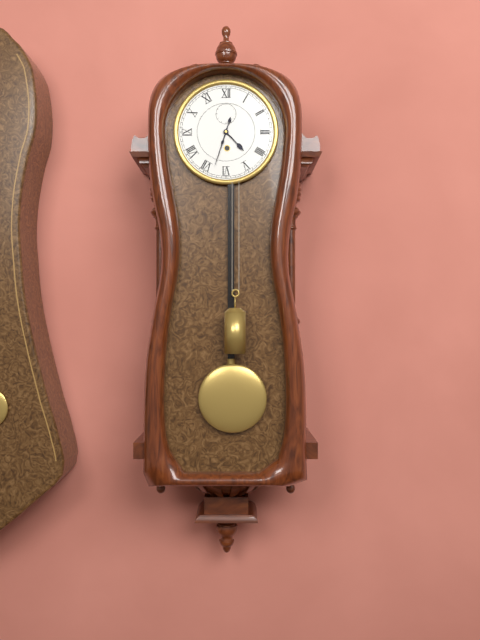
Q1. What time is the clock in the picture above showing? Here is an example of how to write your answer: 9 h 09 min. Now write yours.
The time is 4 h 33 min
